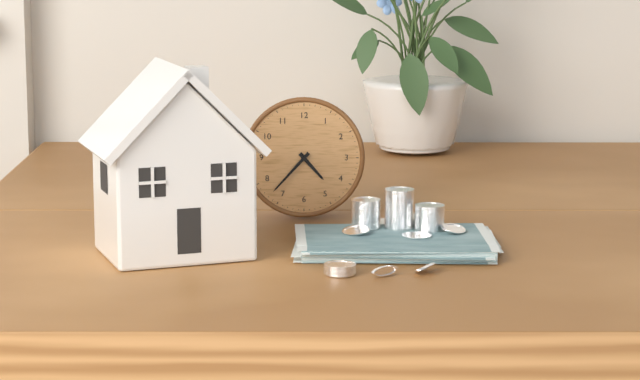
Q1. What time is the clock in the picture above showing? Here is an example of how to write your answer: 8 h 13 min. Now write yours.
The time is 4 h 37 min
